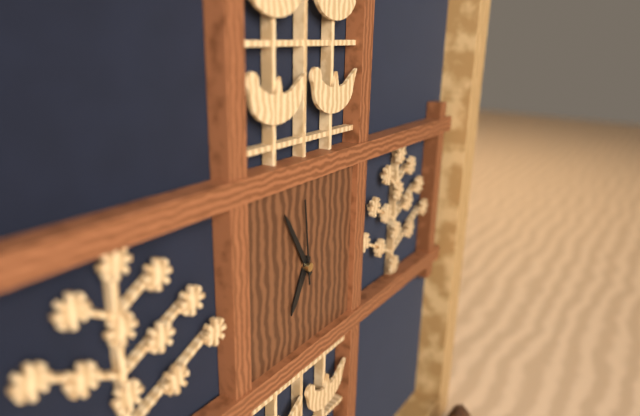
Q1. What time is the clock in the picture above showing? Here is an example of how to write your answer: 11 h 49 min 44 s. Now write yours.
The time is 6 h 55 min 59 s
